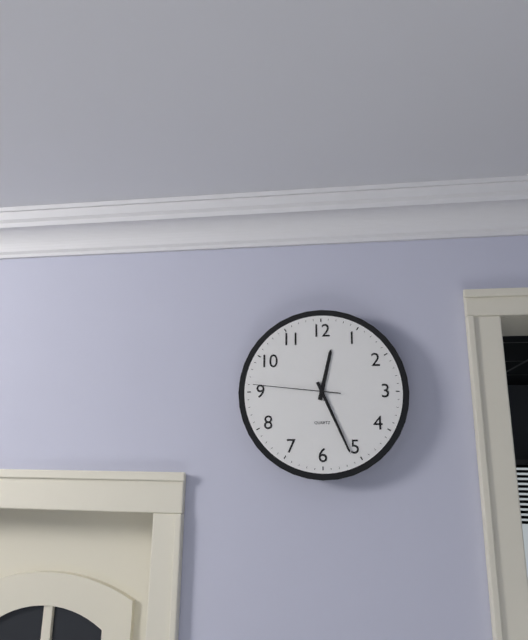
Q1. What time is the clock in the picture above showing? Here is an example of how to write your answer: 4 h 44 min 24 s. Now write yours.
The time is 12 h 26 min 46 s
